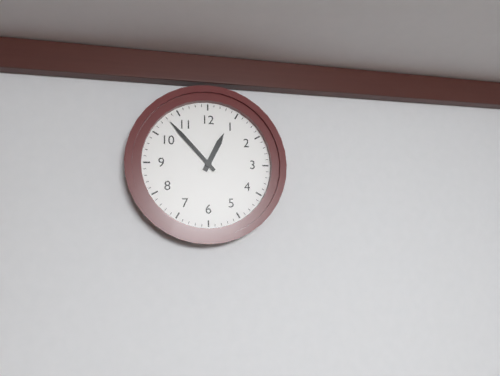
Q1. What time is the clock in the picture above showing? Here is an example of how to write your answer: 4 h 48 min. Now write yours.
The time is 12 h 53 min
